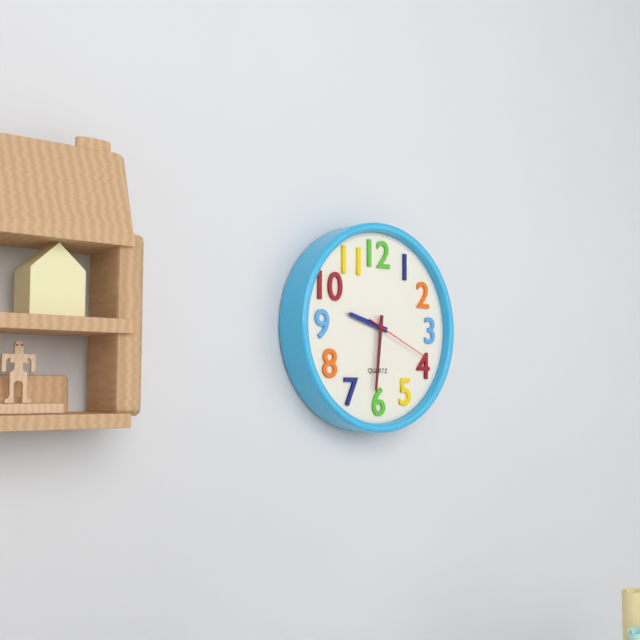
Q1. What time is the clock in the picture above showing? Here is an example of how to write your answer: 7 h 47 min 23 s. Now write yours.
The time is 9 h 31 min 19 s
